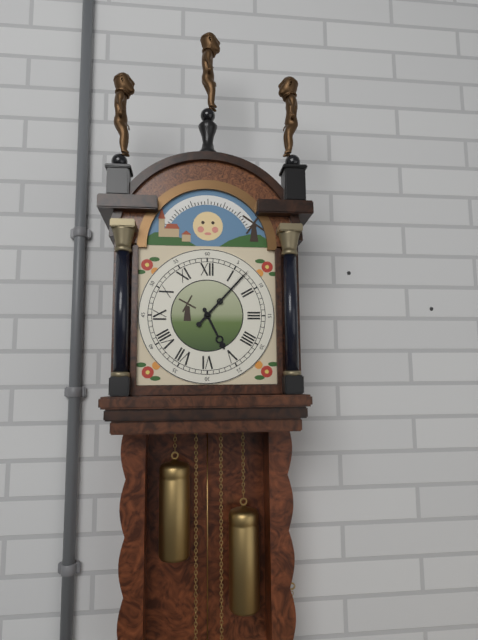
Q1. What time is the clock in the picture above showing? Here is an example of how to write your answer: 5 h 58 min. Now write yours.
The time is 5 h 07 min
